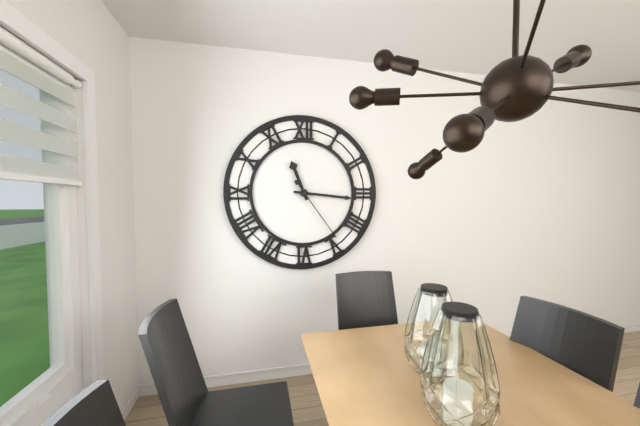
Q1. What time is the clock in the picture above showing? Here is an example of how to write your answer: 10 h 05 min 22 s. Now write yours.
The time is 11 h 16 min 24 s
